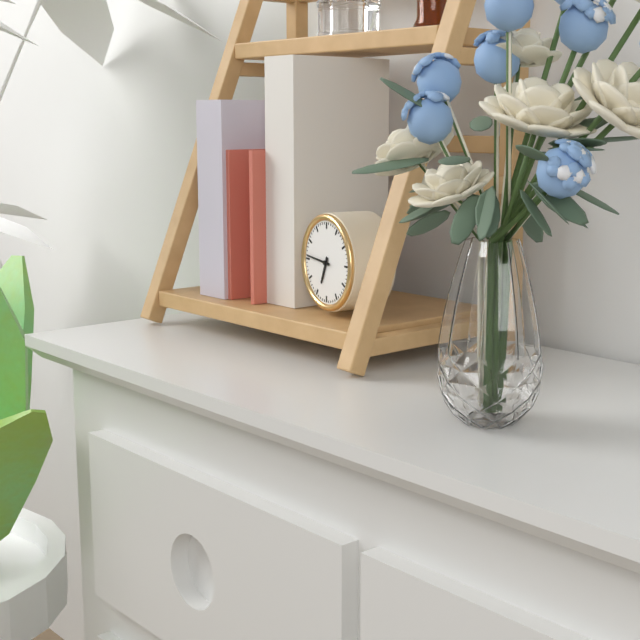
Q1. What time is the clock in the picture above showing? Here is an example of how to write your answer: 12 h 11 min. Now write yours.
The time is 6 h 46 min
